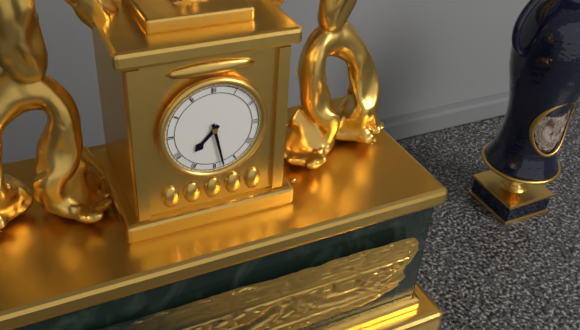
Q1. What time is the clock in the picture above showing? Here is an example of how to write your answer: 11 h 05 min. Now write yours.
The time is 7 h 28 min
